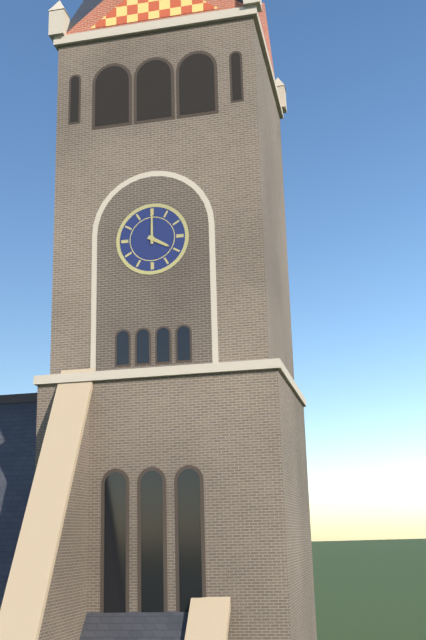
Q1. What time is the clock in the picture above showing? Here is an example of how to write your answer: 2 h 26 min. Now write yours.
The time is 4 h 00 min
